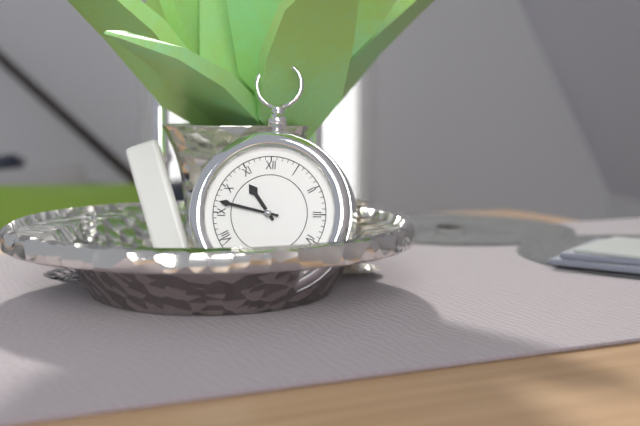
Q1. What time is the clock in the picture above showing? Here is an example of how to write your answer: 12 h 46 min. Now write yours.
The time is 10 h 47 min
